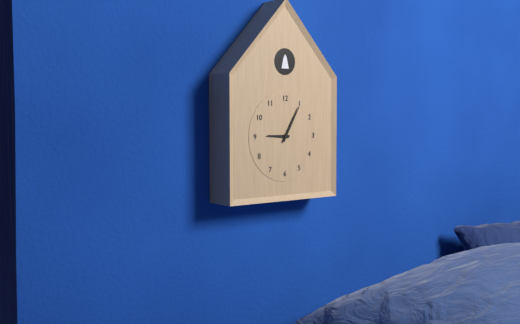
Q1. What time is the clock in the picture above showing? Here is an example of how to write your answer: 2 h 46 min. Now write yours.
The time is 9 h 05 min
